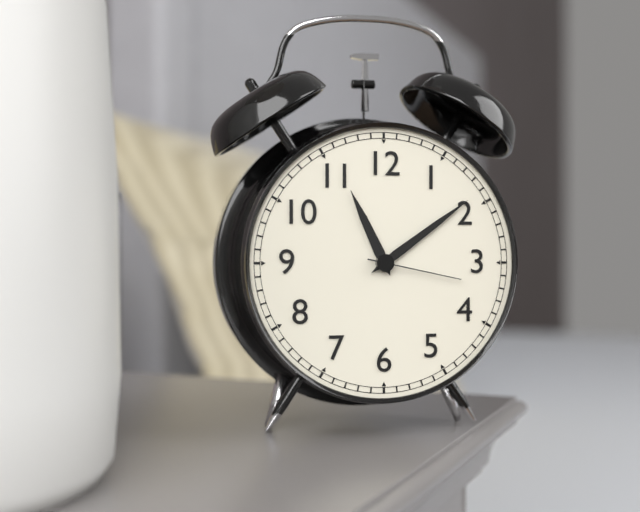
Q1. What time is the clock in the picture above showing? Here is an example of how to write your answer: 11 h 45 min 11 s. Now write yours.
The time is 11 h 09 min 17 s
